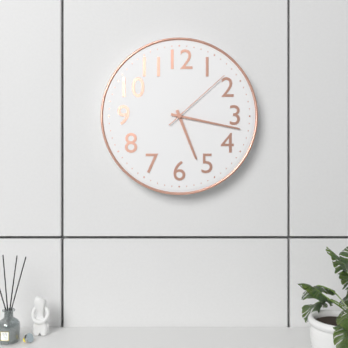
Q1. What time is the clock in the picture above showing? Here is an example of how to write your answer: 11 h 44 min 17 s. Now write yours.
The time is 5 h 17 min 08 s
